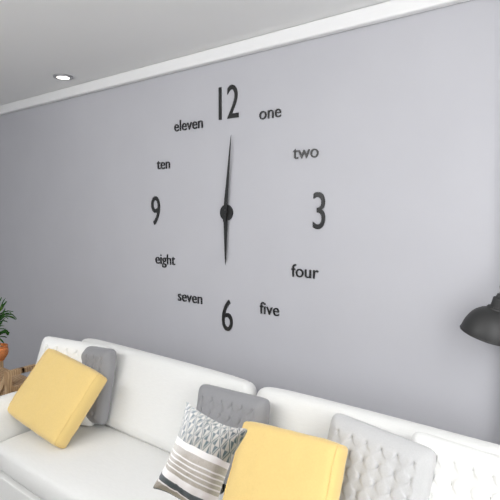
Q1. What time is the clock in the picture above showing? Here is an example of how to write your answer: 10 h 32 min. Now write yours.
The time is 6 h 01 min
